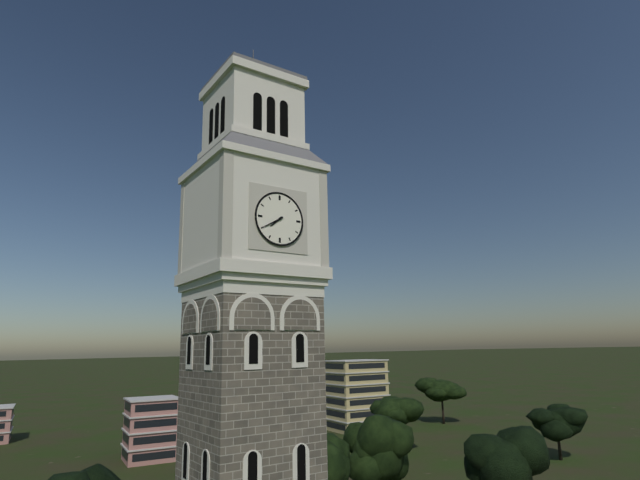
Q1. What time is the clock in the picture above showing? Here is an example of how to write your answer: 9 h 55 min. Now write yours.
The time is 7 h 40 min
